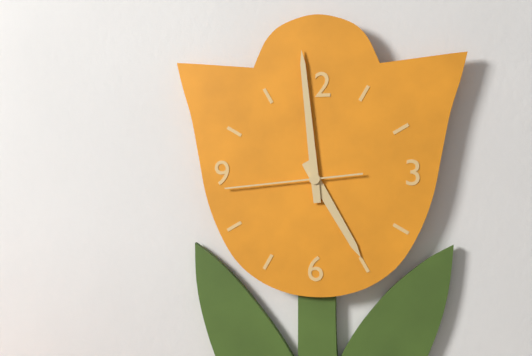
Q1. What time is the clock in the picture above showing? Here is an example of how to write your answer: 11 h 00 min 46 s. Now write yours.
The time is 4 h 59 min 44 s
